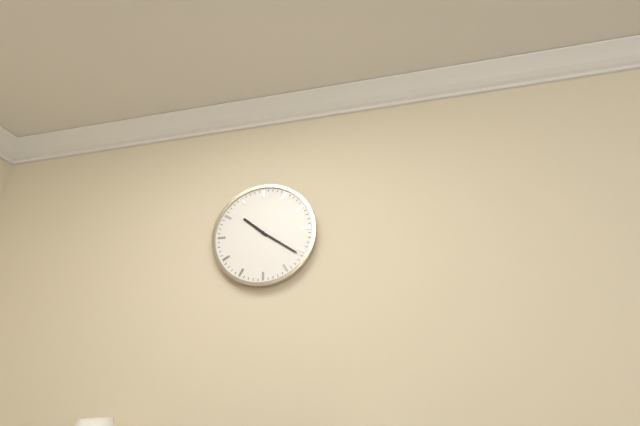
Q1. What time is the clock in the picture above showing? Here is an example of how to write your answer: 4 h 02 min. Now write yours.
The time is 10 h 21 min
